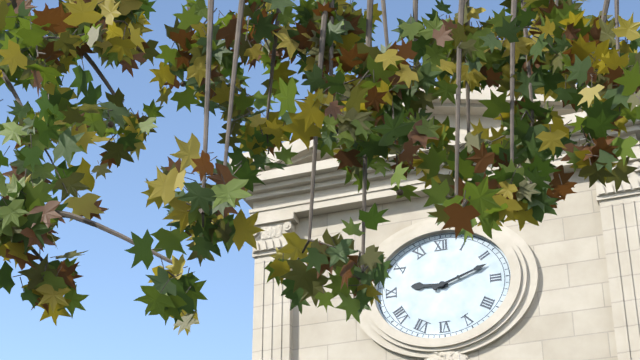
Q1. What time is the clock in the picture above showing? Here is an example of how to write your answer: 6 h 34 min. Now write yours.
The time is 9 h 12 min
